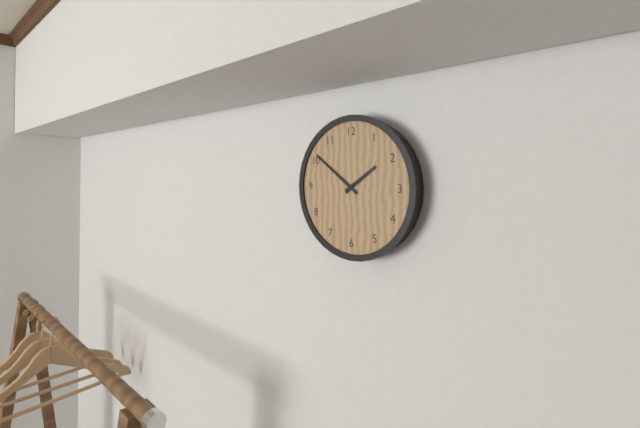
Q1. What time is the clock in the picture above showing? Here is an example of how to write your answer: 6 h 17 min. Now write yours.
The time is 1 h 51 min
